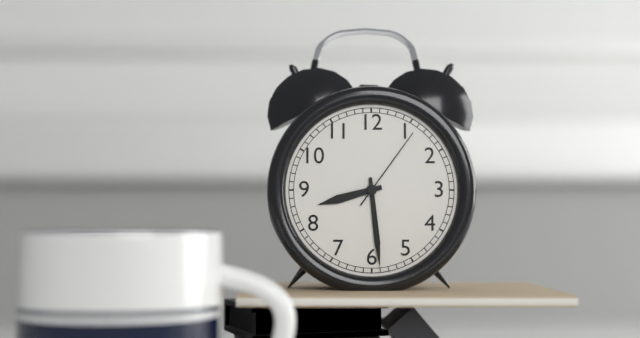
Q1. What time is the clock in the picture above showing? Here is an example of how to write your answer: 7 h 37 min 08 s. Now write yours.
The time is 8 h 29 min 06 s
